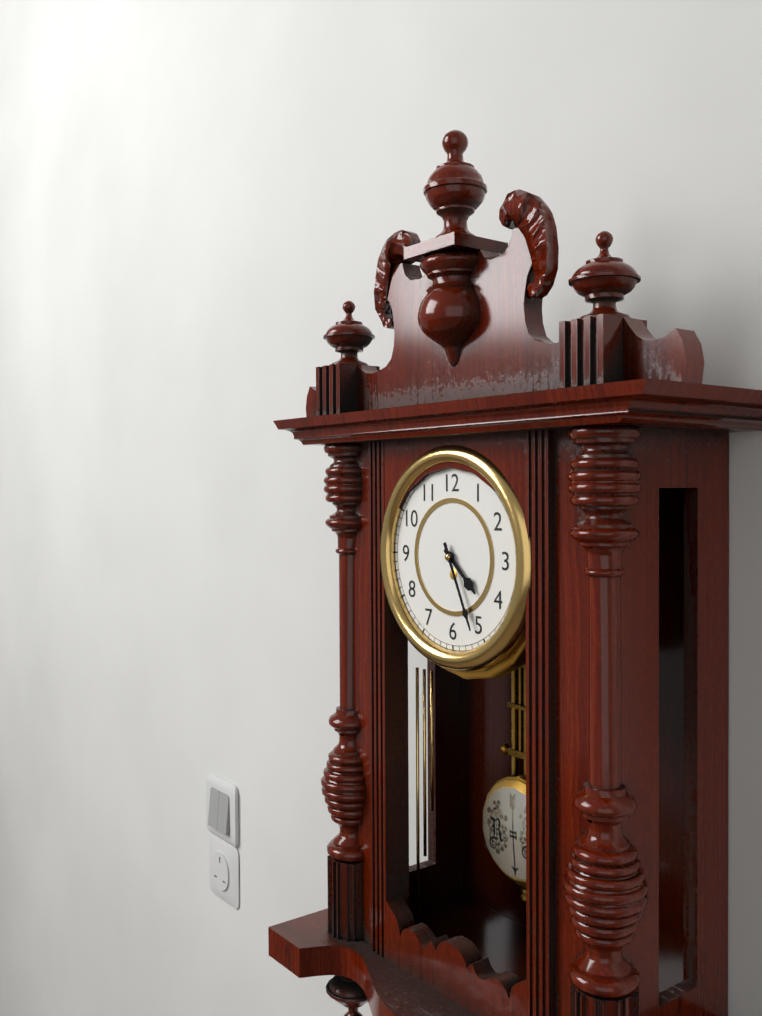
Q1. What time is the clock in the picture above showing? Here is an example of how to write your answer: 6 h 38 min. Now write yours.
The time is 4 h 26 min
